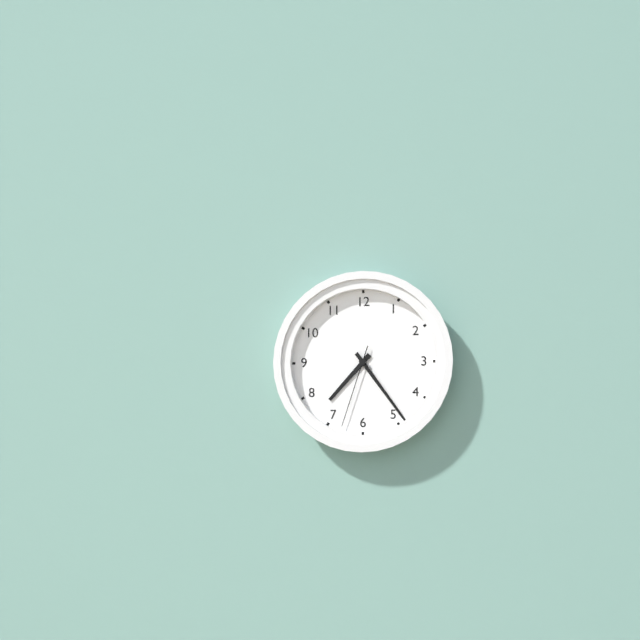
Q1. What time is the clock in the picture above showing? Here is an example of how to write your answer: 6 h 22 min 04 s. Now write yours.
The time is 7 h 24 min 33 s
